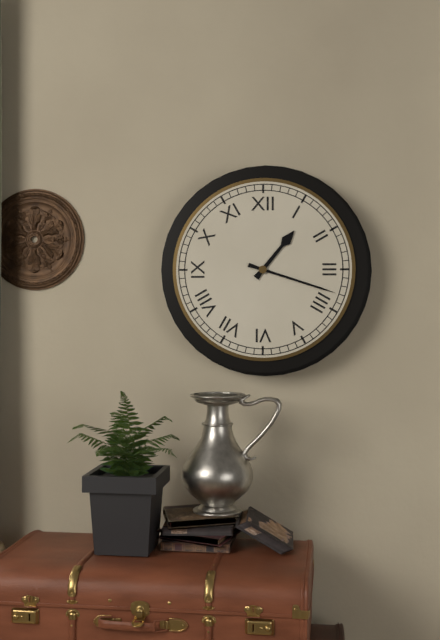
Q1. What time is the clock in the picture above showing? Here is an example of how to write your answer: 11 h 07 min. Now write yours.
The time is 1 h 18 min
